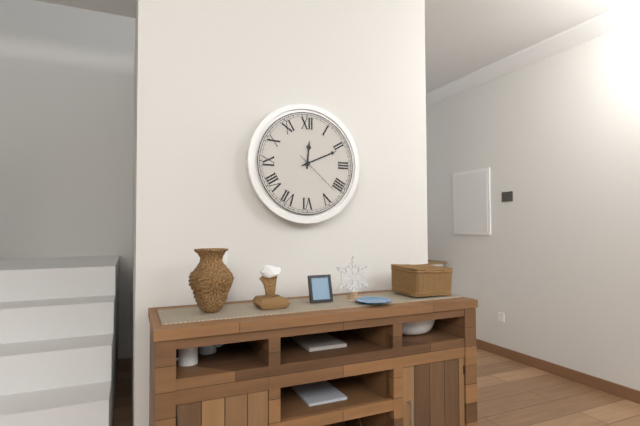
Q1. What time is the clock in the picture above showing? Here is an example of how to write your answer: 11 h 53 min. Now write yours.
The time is 12 h 11 min
